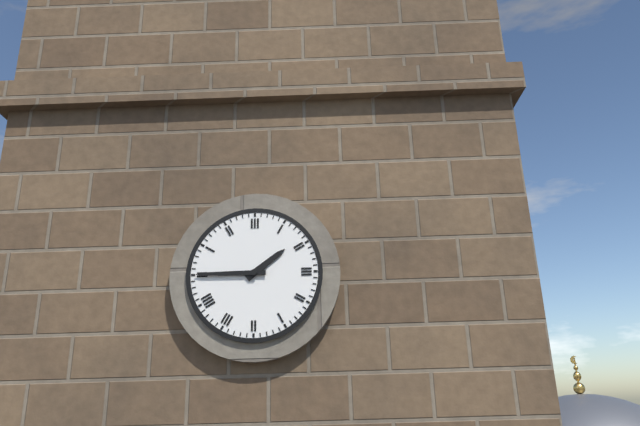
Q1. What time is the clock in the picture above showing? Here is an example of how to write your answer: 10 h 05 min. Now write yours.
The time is 1 h 45 min
